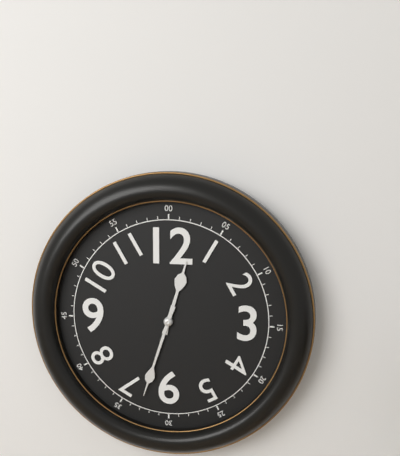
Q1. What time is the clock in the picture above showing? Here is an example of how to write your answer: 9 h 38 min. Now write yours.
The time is 12 h 33 min
